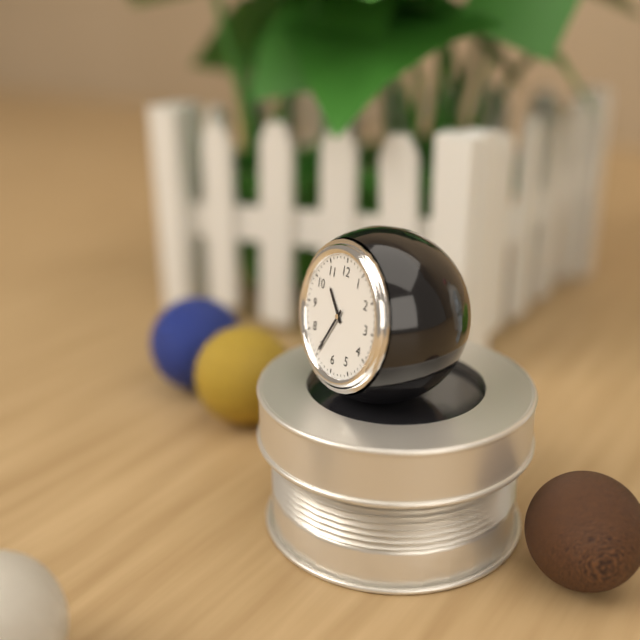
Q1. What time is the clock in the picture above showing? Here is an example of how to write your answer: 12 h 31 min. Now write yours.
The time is 10 h 35 min
